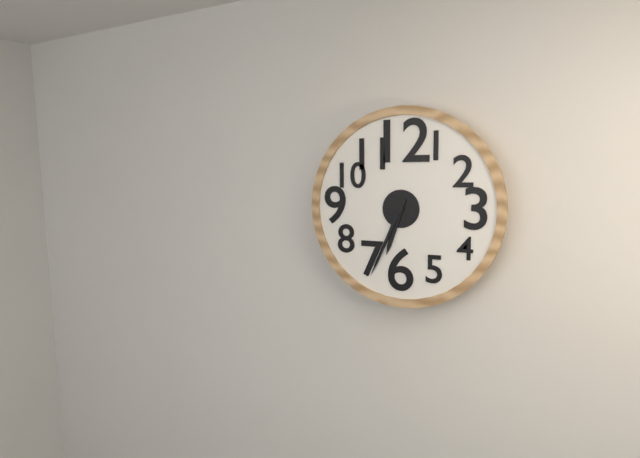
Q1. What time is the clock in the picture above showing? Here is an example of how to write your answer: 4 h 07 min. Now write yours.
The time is 6 h 34 min
